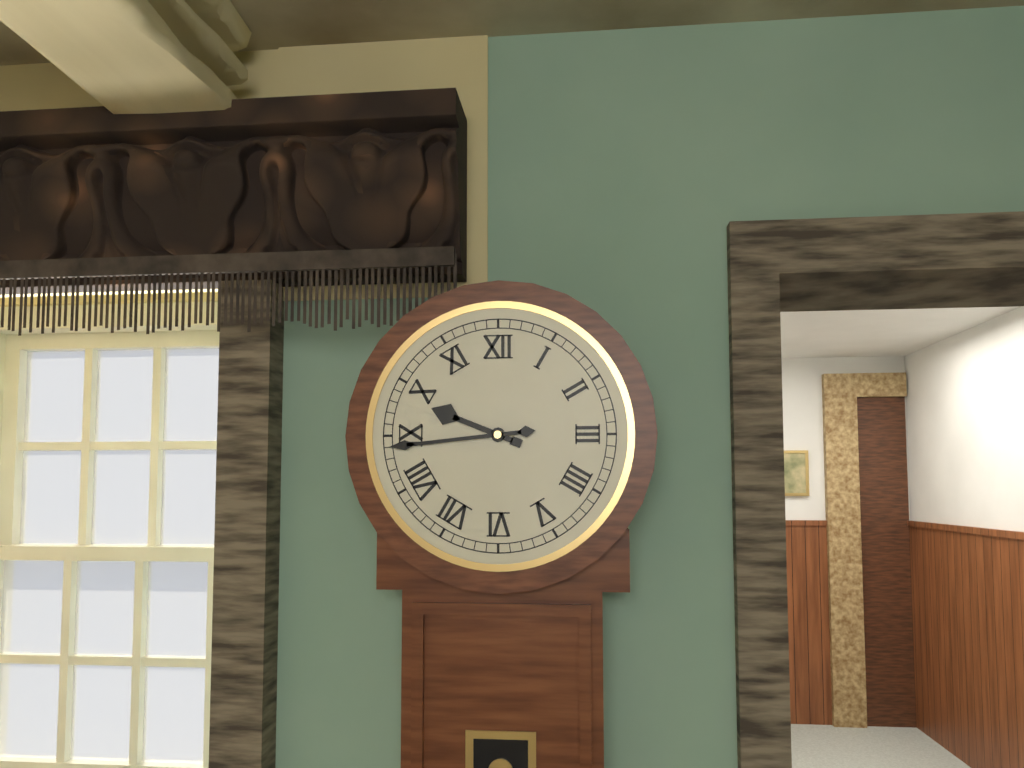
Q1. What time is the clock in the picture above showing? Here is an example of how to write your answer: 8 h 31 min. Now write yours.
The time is 9 h 44 min
